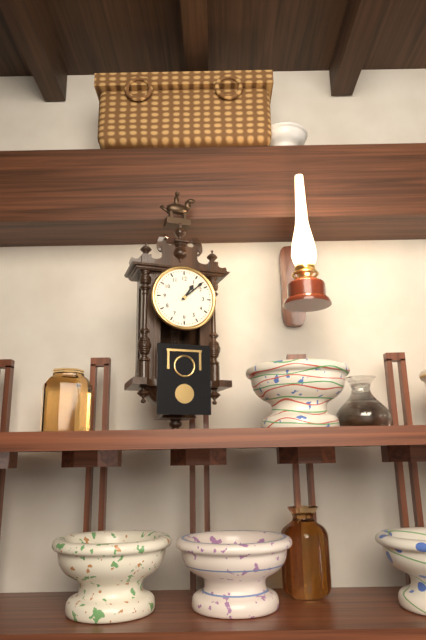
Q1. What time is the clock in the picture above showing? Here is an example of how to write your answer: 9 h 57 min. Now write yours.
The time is 1 h 08 min
